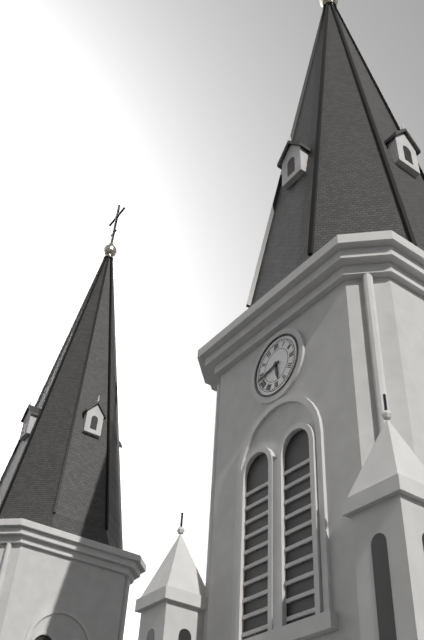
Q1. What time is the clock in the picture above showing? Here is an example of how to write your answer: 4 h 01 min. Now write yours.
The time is 5 h 43 min
